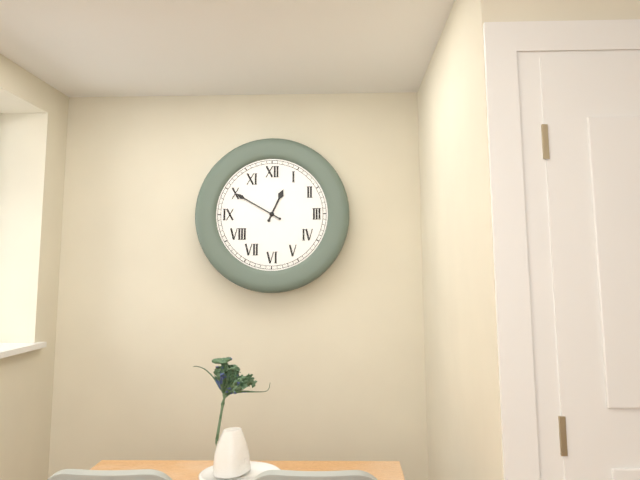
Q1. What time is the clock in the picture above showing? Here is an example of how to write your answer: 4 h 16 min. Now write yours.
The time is 12 h 50 min
